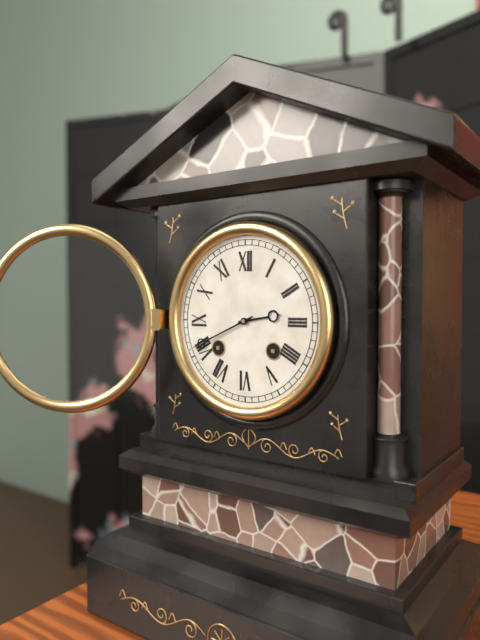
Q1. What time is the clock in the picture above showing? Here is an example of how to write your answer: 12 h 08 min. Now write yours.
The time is 2 h 41 min
